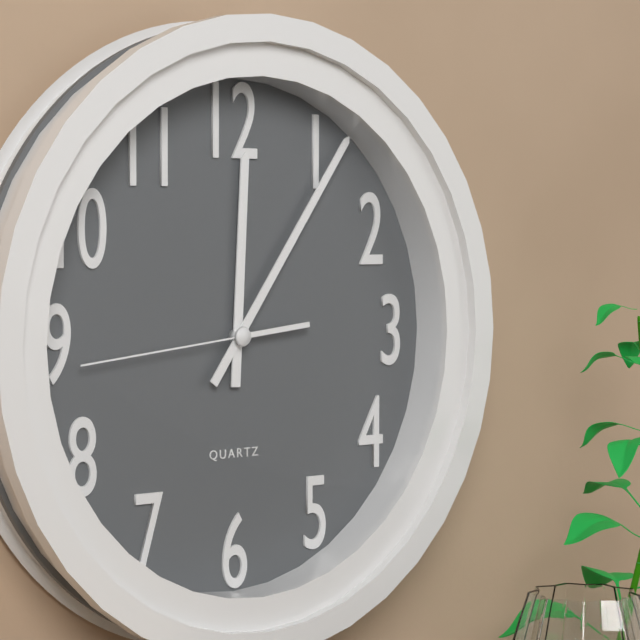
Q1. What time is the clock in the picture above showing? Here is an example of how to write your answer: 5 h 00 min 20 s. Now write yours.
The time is 12 h 06 min 44 s
